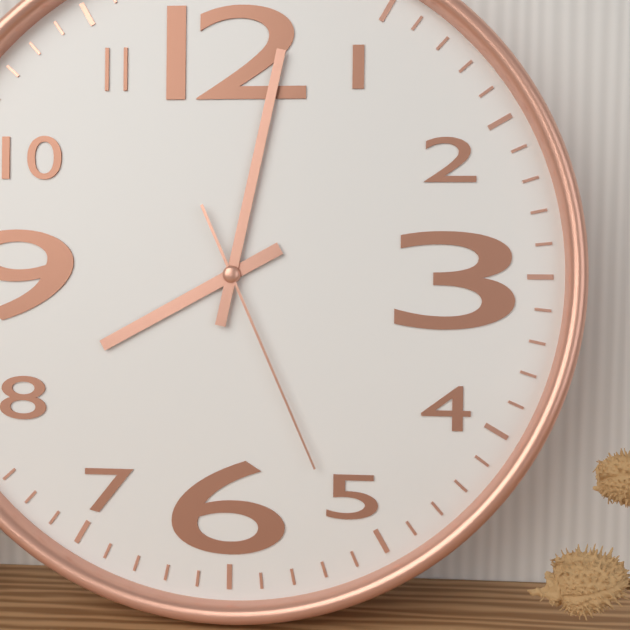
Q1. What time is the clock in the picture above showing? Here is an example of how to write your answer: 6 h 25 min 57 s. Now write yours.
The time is 8 h 02 min 26 s
